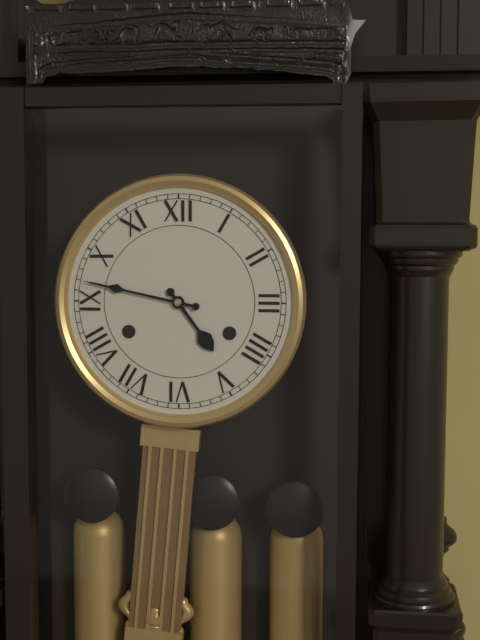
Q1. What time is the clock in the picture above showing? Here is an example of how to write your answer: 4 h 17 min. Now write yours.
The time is 4 h 47 min
